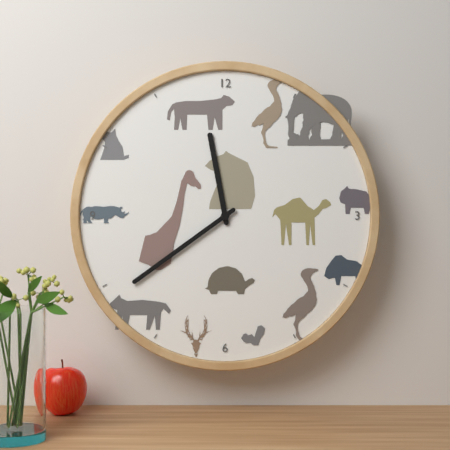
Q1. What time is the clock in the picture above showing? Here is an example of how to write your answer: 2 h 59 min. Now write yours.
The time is 11 h 39 min
